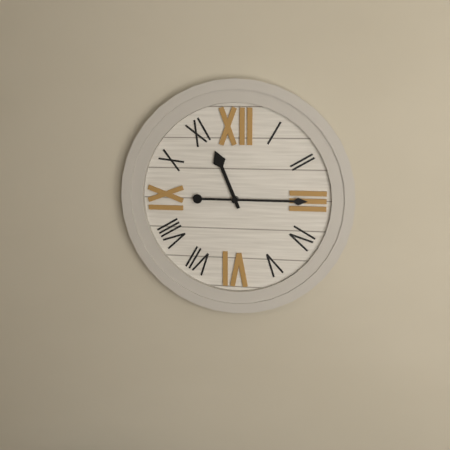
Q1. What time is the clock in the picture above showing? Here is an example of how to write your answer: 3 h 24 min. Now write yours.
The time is 11 h 15 min
